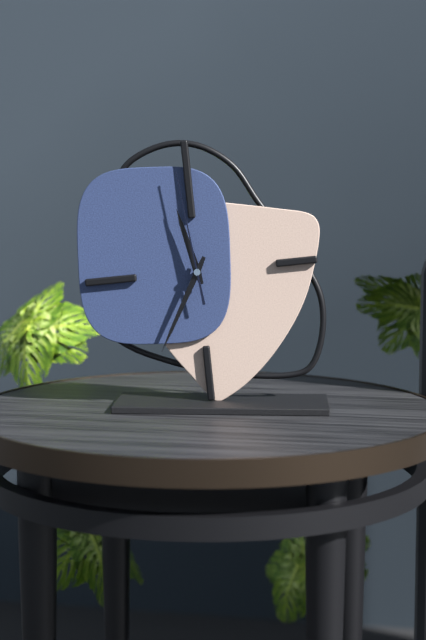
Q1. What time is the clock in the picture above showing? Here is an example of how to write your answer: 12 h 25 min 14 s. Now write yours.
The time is 11 h 35 min 59 s
